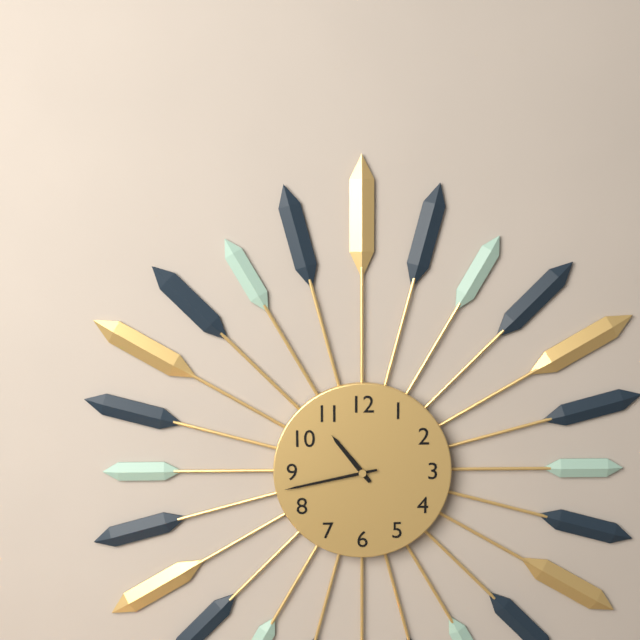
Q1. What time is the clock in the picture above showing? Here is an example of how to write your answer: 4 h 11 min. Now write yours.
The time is 10 h 43 min
